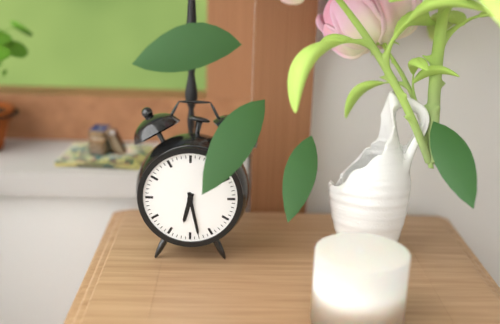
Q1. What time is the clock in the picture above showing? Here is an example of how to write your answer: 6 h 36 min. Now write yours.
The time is 6 h 28 min
